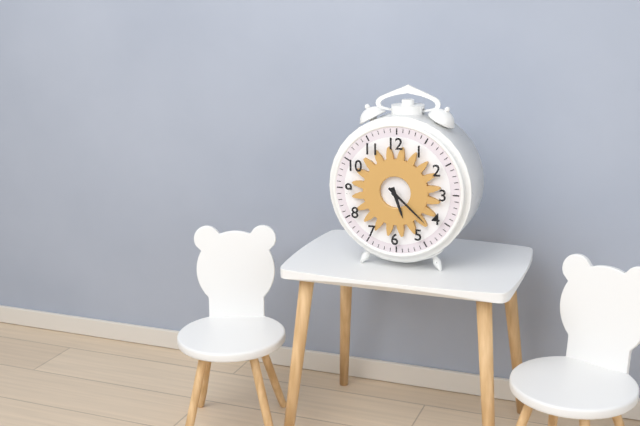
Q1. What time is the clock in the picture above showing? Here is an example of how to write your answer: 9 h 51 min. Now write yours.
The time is 5 h 22 min
